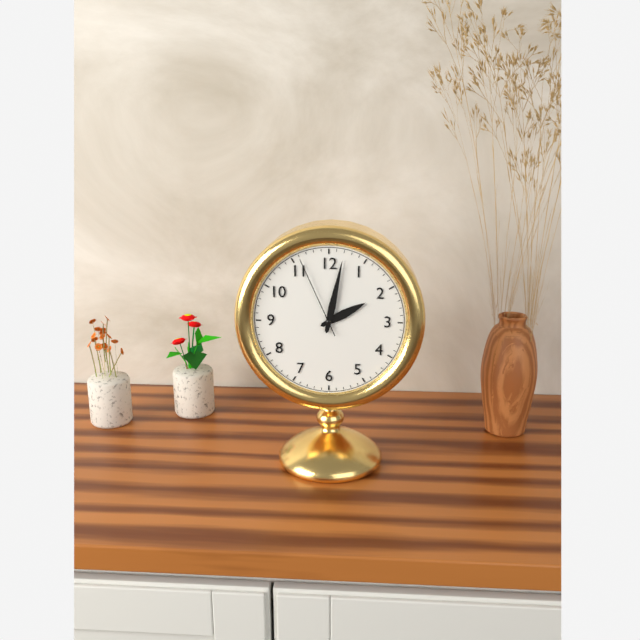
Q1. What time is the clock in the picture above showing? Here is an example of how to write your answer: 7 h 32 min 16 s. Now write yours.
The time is 2 h 02 min 56 s
